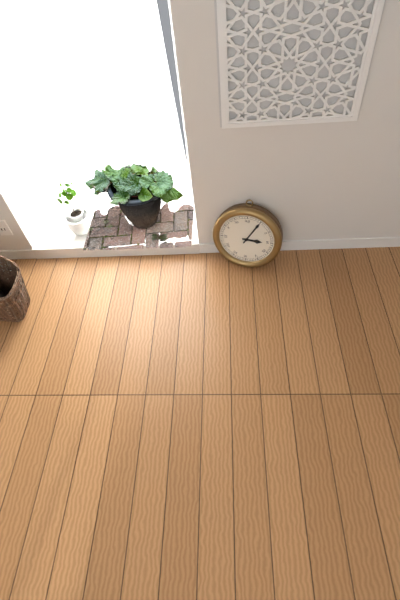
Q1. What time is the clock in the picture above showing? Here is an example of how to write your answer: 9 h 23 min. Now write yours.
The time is 3 h 05 min
